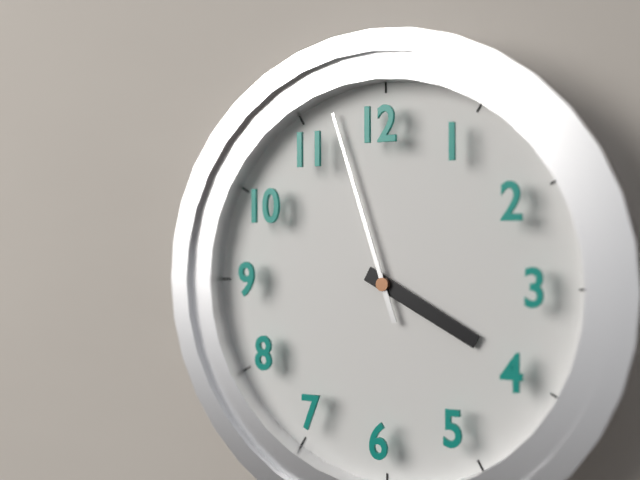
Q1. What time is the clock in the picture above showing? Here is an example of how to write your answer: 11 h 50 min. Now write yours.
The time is 3 h 57 min
